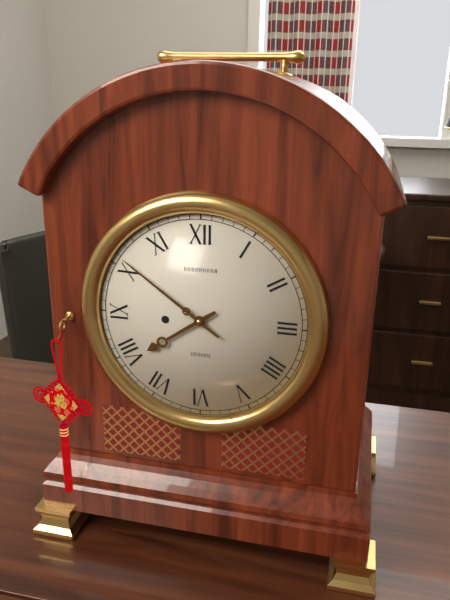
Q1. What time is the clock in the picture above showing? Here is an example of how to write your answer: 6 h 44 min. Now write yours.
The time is 7 h 51 min
